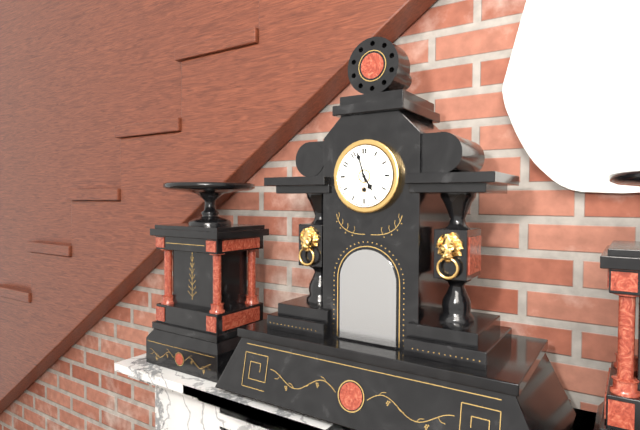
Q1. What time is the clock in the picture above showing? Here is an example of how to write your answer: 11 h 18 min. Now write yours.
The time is 4 h 57 min
